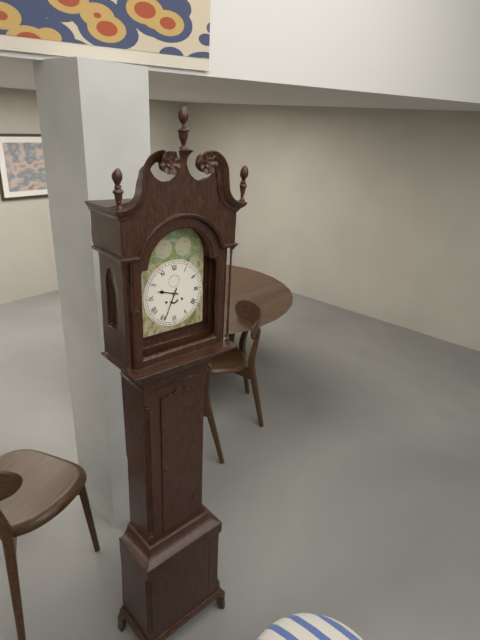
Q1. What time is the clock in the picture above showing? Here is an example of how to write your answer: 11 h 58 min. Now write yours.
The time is 9 h 34 min
